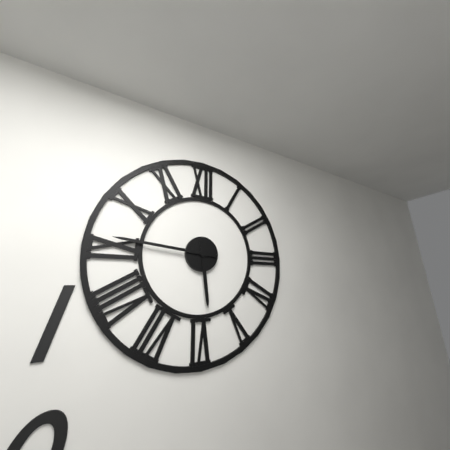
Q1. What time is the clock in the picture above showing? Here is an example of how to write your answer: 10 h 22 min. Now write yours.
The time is 5 h 46 min
